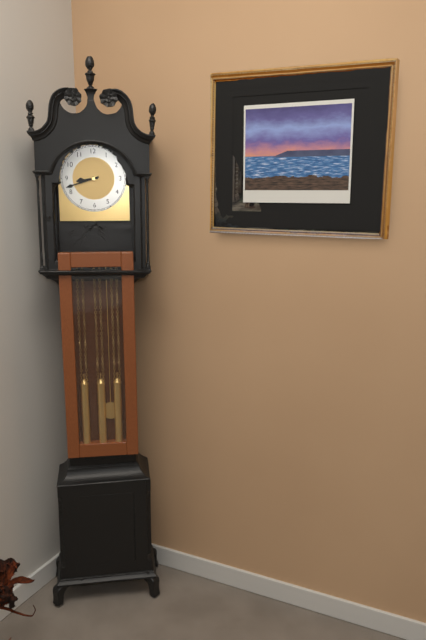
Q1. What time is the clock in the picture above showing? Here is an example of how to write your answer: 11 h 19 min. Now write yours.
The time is 8 h 42 min
